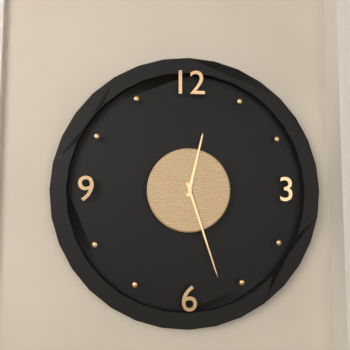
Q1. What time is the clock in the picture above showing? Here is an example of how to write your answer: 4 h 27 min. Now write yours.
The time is 12 h 27 min
